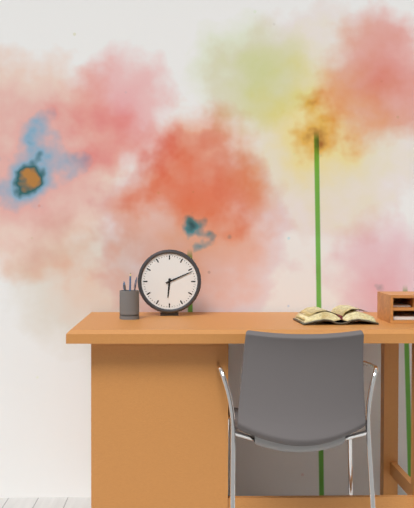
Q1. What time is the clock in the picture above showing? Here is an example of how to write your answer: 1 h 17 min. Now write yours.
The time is 6 h 11 min
